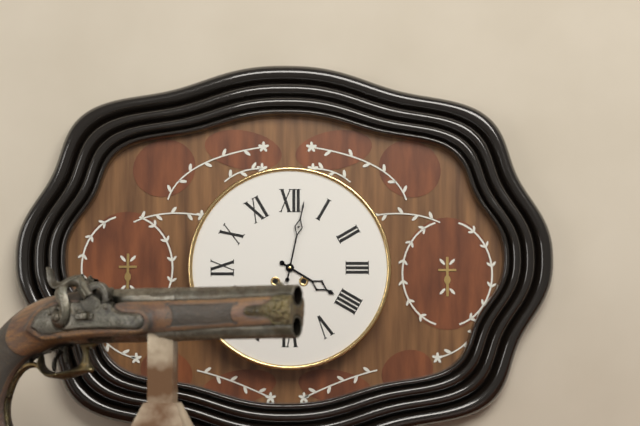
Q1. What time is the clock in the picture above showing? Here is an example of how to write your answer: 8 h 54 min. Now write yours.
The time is 4 h 02 min
